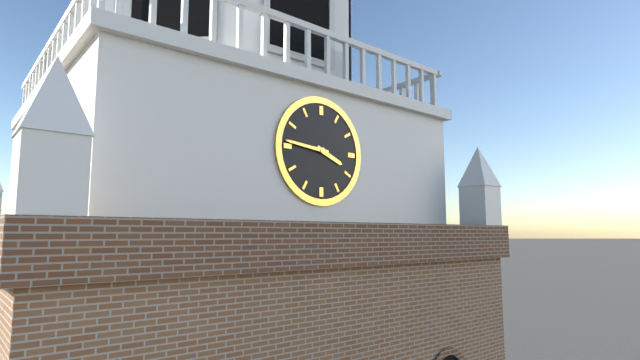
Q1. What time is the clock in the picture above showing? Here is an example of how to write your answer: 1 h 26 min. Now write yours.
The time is 3 h 46 min
